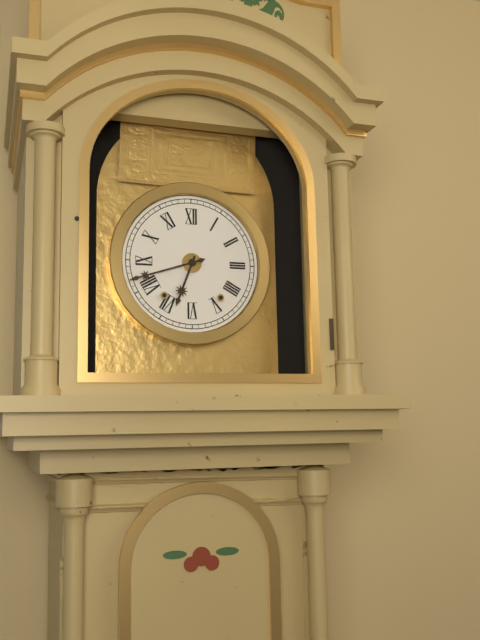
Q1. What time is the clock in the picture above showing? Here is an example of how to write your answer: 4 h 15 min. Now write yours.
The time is 6 h 42 min
